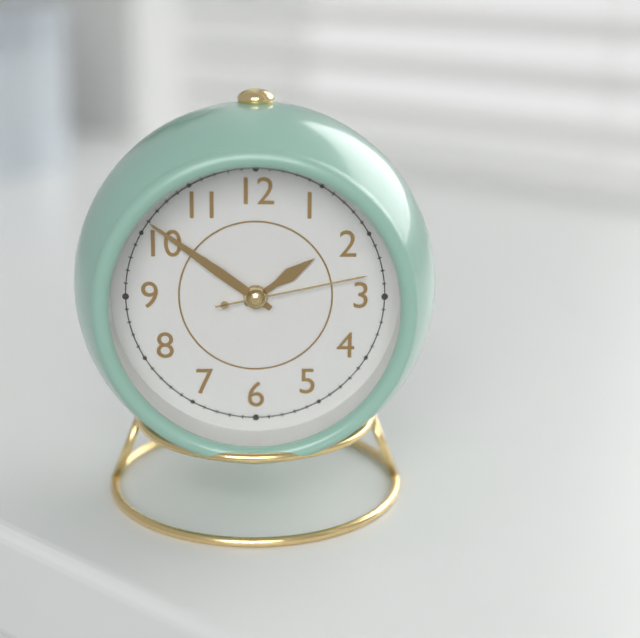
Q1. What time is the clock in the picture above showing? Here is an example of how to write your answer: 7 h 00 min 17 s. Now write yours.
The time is 1 h 51 min 13 s
